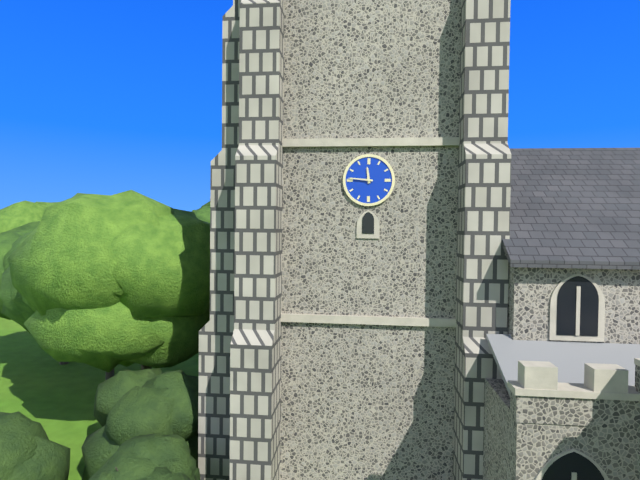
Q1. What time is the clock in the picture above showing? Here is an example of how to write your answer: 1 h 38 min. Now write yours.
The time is 11 h 46 min
